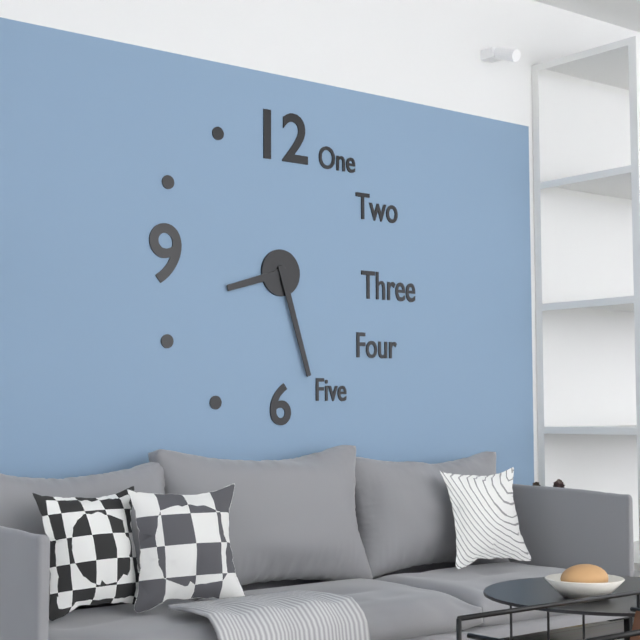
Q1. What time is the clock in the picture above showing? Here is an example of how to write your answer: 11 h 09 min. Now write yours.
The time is 8 h 27 min
